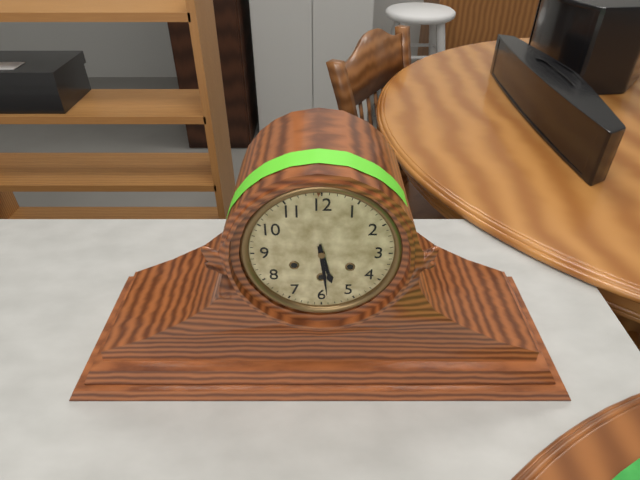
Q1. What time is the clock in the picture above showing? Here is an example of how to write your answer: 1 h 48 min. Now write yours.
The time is 5 h 29 min
